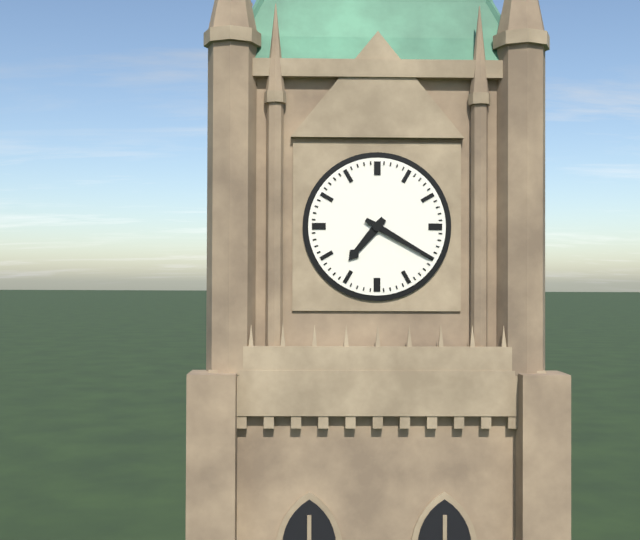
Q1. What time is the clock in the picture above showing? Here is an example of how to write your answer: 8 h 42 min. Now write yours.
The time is 7 h 20 min
